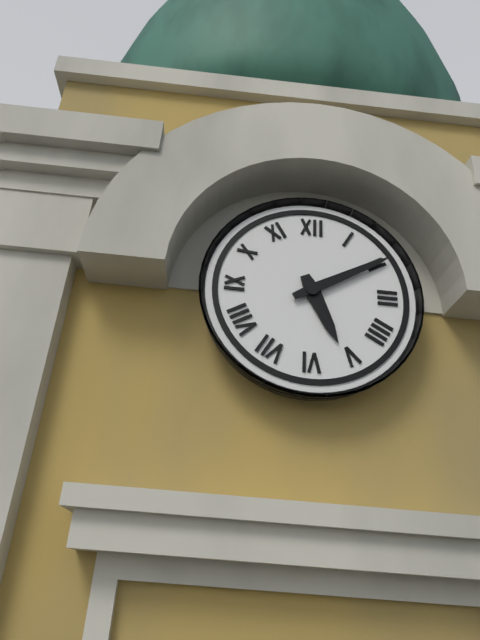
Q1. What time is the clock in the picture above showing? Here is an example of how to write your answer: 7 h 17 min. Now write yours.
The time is 5 h 10 min
